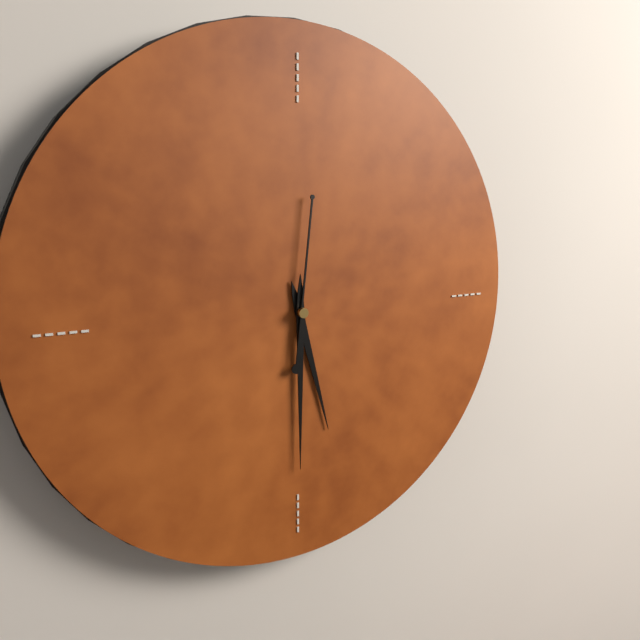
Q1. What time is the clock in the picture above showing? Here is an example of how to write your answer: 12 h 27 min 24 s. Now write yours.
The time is 5 h 30 min 01 s
